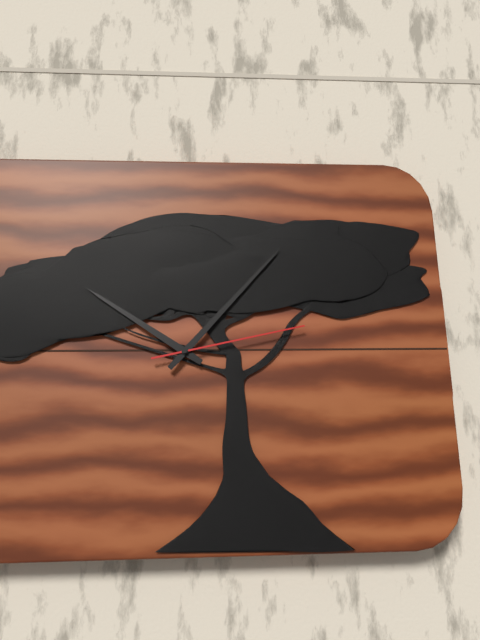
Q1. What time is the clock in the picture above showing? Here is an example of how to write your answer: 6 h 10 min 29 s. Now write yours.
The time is 10 h 07 min 13 s
